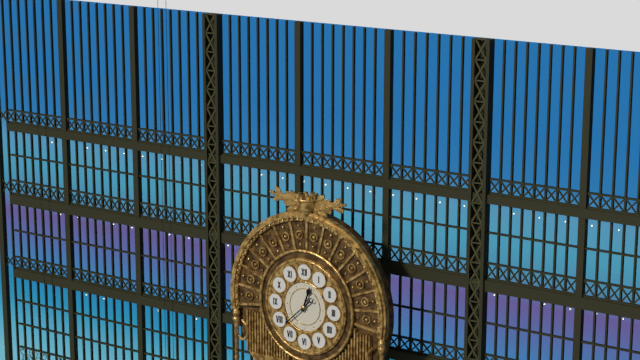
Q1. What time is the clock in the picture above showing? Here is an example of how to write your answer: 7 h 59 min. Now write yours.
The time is 12 h 38 min
